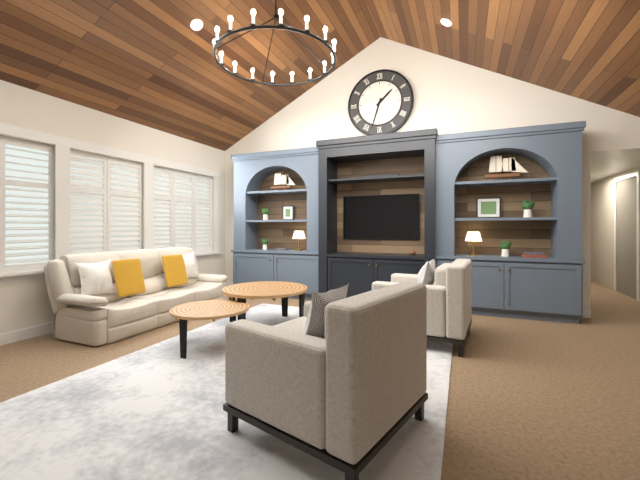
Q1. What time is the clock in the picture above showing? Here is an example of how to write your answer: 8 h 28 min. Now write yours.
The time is 1 h 33 min
